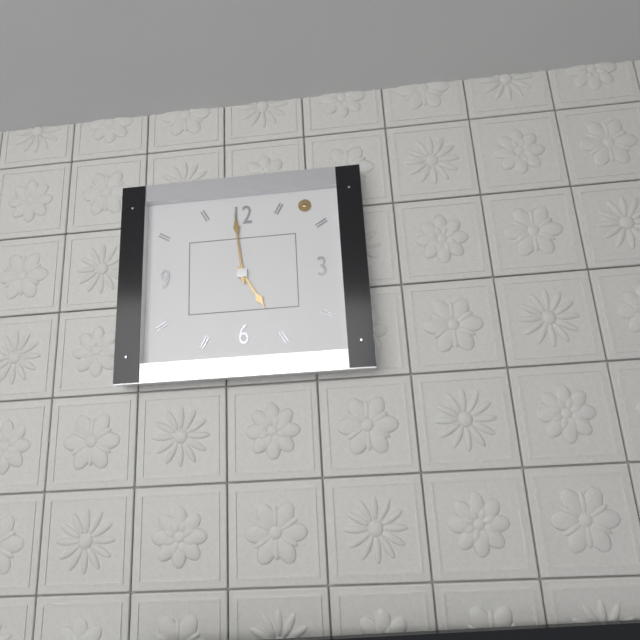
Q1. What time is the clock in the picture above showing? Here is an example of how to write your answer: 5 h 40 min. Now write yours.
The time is 4 h 59 min
